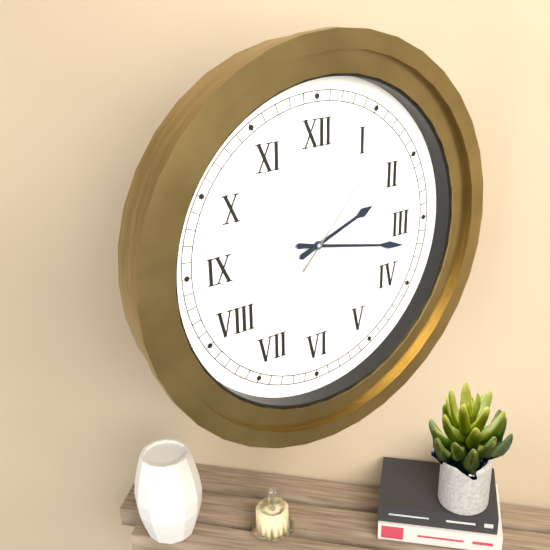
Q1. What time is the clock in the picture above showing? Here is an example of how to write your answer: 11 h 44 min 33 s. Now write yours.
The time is 2 h 17 min 07 s
